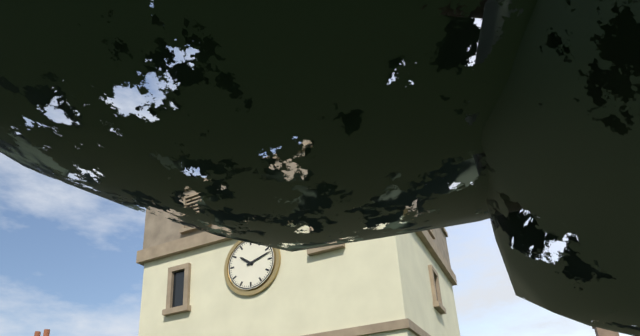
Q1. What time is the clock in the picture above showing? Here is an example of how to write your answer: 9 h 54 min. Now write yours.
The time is 10 h 12 min
